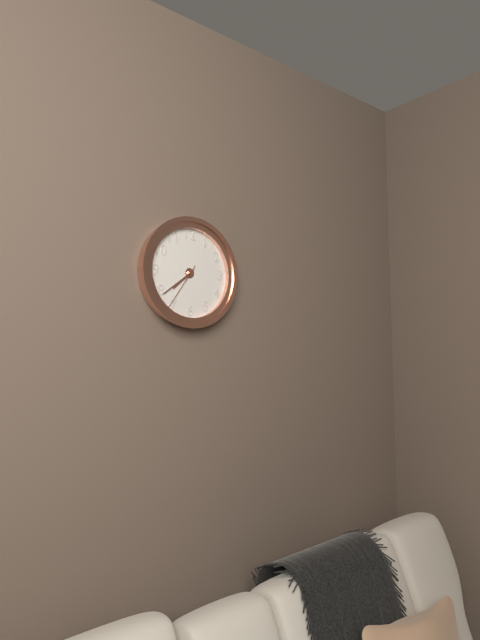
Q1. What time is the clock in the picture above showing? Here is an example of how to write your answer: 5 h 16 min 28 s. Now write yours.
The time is 7 h 39 min 36 s
